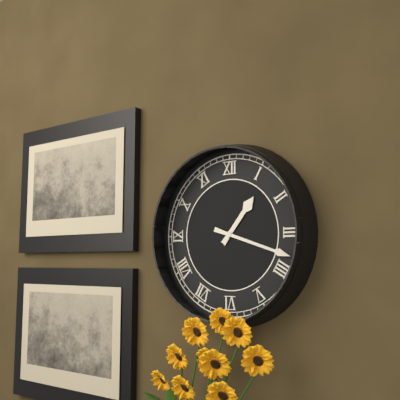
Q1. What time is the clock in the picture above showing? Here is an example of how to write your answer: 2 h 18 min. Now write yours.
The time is 1 h 18 min
